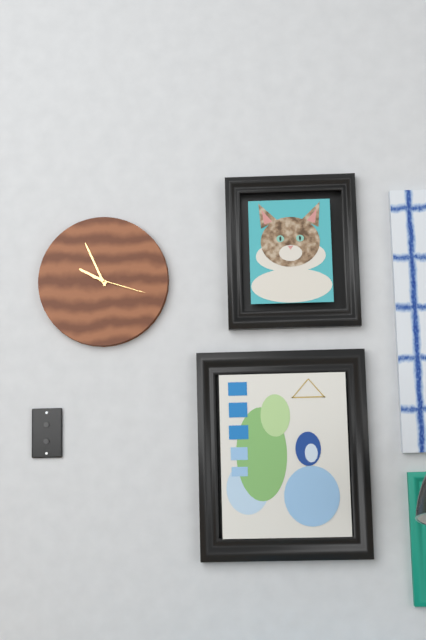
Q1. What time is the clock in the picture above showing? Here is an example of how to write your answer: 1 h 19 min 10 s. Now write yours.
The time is 9 h 56 min 18 s
